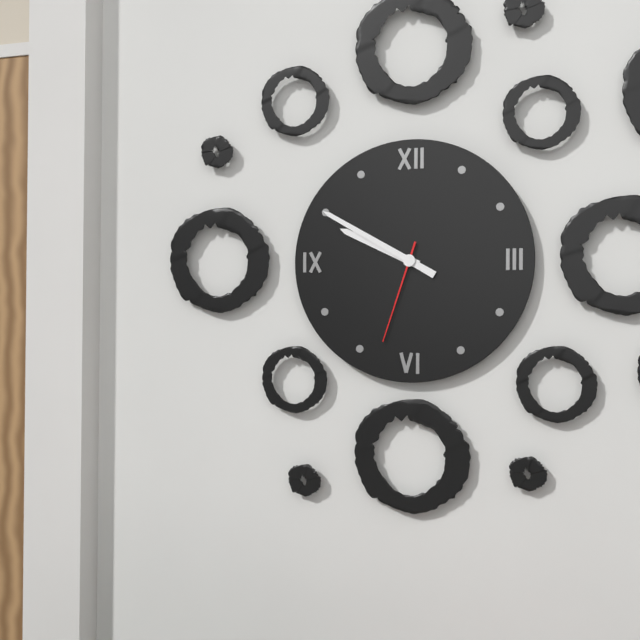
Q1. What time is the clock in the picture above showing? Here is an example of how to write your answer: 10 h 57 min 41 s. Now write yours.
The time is 9 h 50 min 33 s
